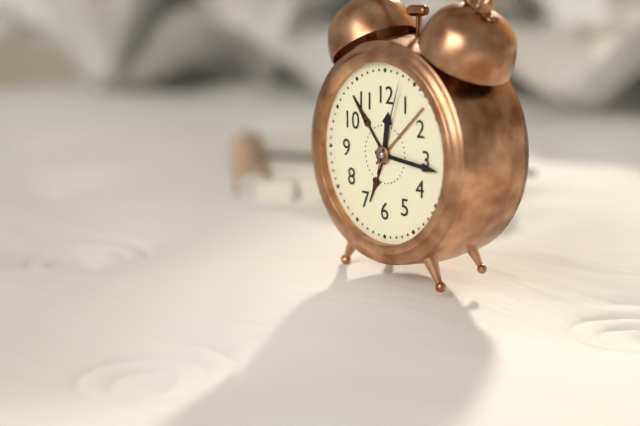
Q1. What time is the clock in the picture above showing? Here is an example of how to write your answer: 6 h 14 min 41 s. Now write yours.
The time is 12 h 16 min 03 s
